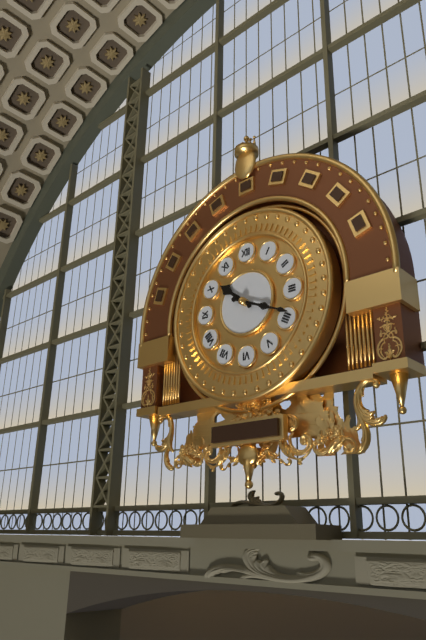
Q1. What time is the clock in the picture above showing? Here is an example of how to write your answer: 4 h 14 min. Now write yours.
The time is 10 h 19 min
